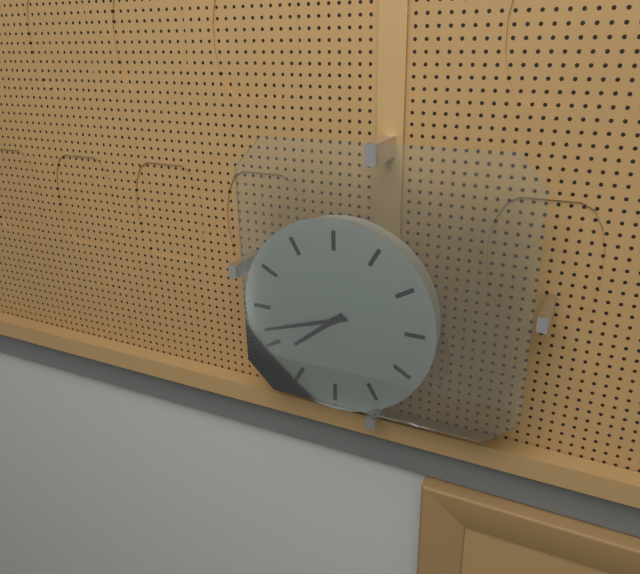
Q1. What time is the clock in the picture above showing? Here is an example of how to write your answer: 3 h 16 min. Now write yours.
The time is 7 h 42 min
